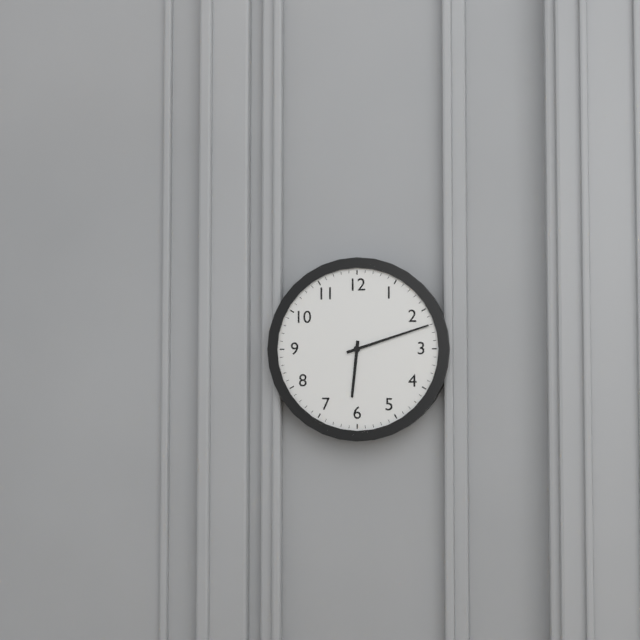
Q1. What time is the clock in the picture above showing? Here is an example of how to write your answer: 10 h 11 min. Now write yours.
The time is 6 h 12 min
